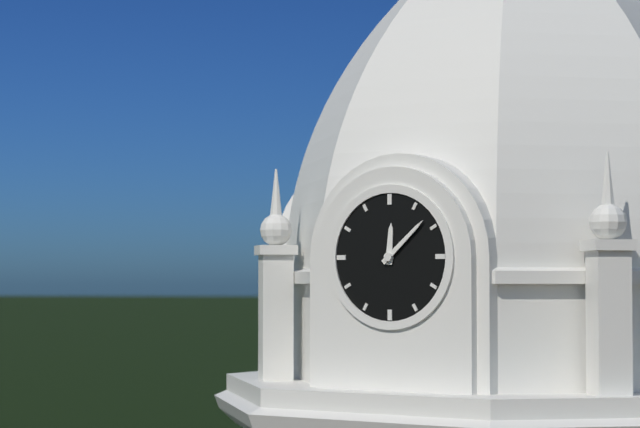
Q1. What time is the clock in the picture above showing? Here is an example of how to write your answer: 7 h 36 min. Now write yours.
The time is 12 h 08 min
